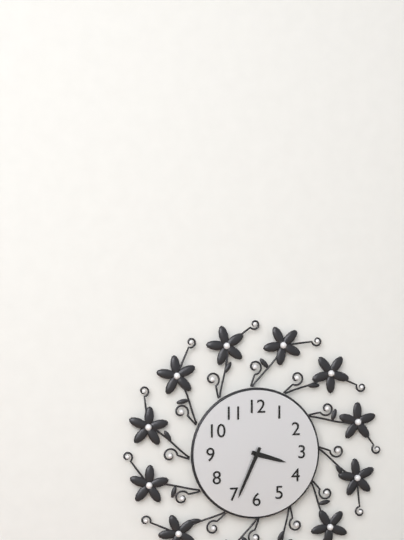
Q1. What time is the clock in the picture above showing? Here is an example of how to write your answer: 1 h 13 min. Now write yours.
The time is 3 h 34 min
